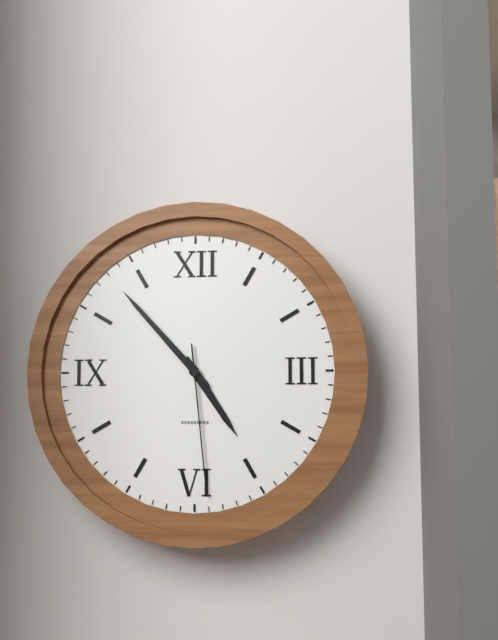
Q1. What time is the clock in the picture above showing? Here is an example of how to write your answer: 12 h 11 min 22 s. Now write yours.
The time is 4 h 53 min 29 s
